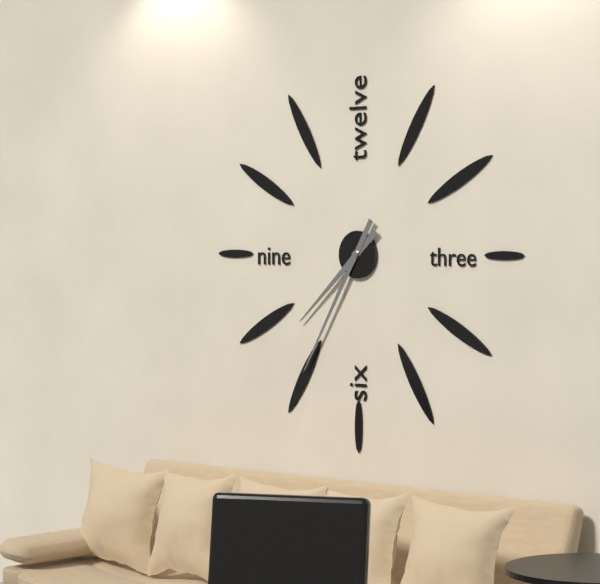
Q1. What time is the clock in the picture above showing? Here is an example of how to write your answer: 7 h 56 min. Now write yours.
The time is 7 h 35 min
